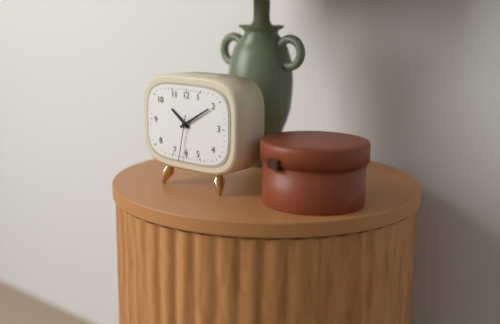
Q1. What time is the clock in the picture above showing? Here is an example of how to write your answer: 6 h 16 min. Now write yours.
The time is 10 h 10 min
